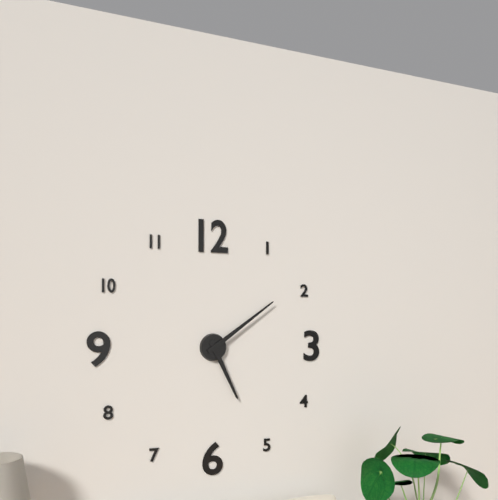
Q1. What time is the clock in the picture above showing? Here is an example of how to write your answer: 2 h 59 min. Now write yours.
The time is 5 h 09 min
